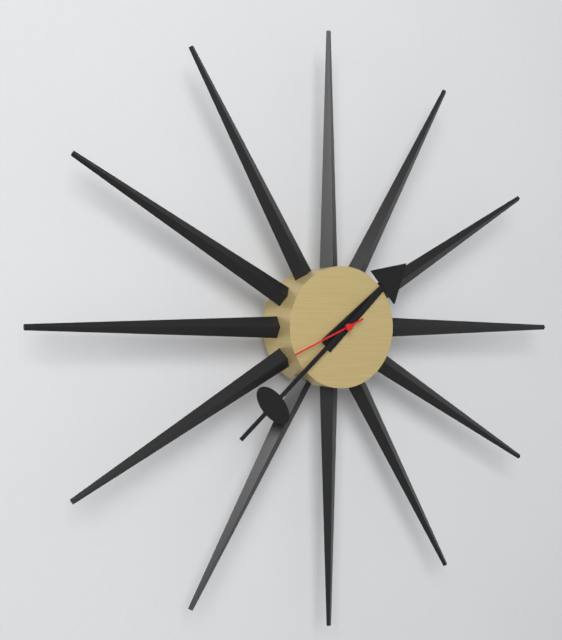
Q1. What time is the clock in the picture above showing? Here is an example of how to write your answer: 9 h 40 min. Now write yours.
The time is 1 h 38 min
